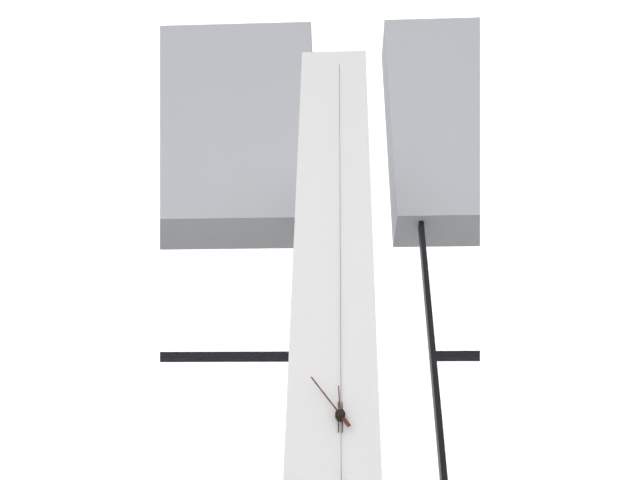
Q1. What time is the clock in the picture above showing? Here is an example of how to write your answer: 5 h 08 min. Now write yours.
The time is 11 h 54 min
